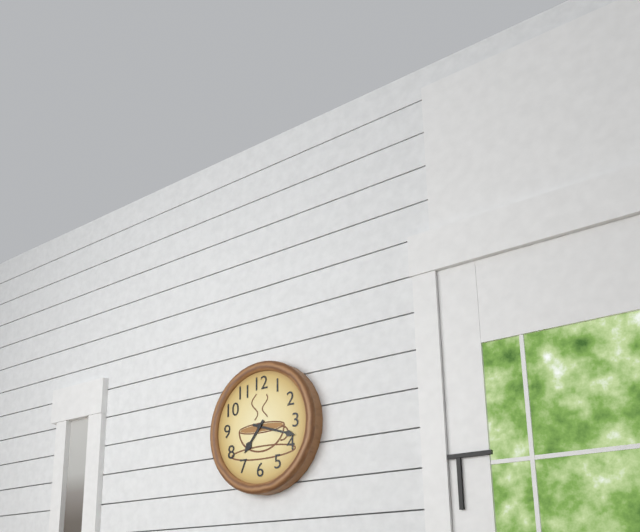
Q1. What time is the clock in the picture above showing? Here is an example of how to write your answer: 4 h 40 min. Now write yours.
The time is 7 h 18 min
